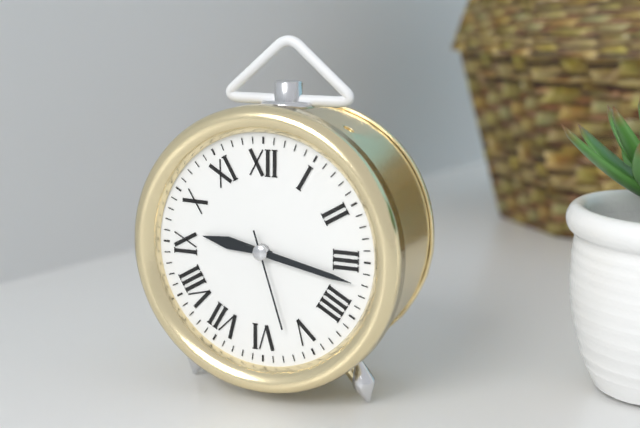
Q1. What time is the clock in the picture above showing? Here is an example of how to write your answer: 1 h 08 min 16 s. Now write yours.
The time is 9 h 17 min 27 s
